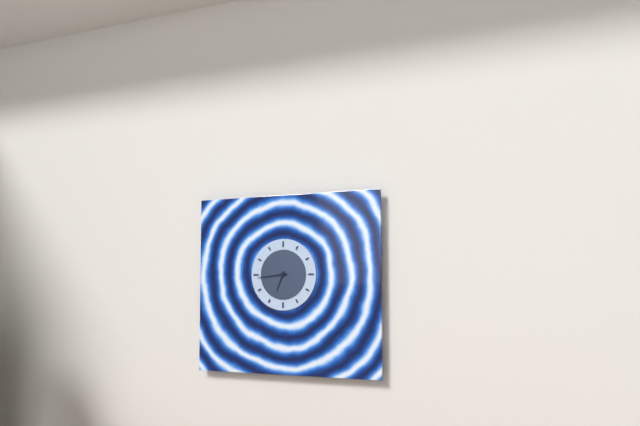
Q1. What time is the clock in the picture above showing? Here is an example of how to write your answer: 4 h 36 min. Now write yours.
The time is 6 h 44 min
